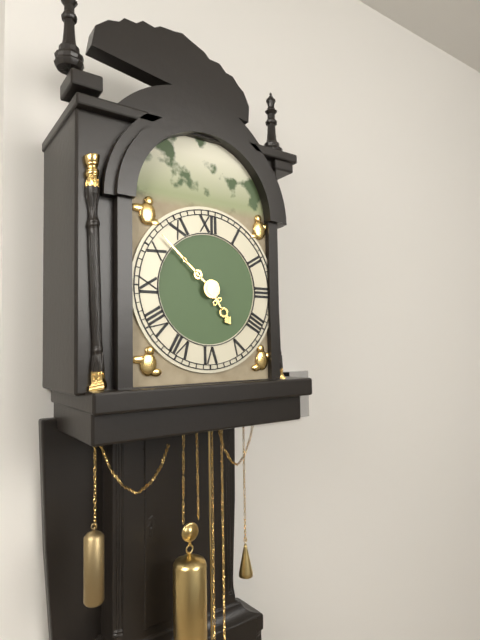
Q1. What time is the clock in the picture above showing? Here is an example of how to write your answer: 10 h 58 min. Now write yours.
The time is 4 h 52 min
